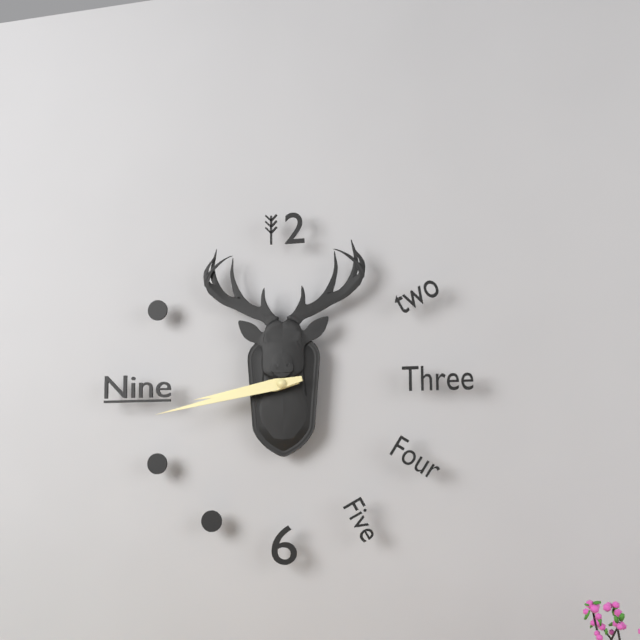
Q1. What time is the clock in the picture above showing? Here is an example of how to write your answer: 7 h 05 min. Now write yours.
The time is 8 h 43 min
